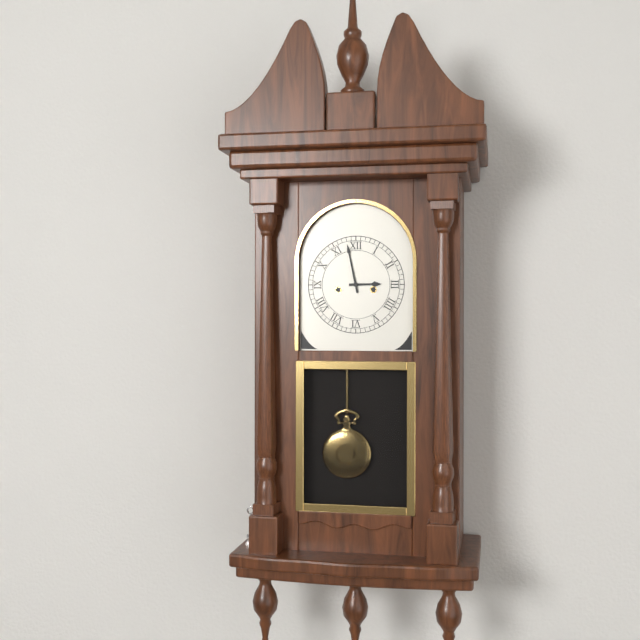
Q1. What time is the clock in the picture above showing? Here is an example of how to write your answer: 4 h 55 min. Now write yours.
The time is 2 h 58 min
